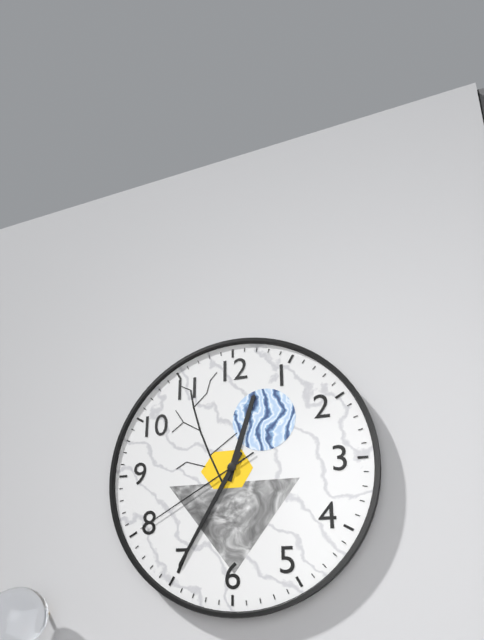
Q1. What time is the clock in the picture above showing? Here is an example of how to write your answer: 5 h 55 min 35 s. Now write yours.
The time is 12 h 35 min 40 s
